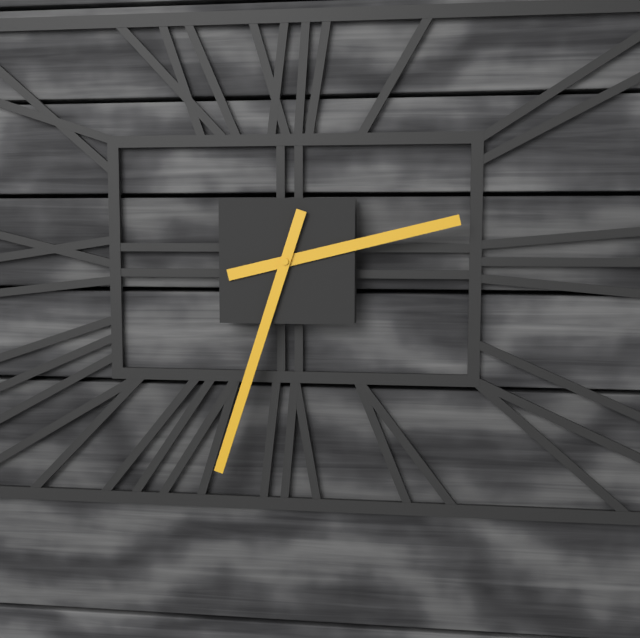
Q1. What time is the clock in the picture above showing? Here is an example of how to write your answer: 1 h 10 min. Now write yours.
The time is 2 h 33 min
